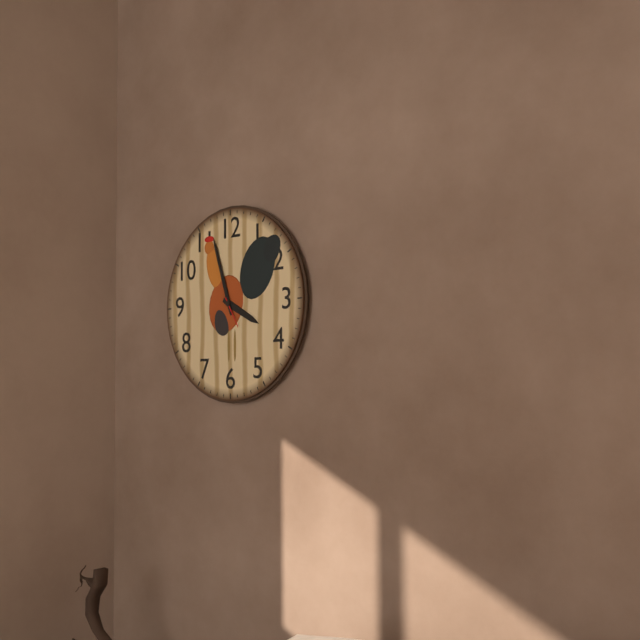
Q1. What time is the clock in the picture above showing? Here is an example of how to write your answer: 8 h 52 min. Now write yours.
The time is 3 h 57 min
